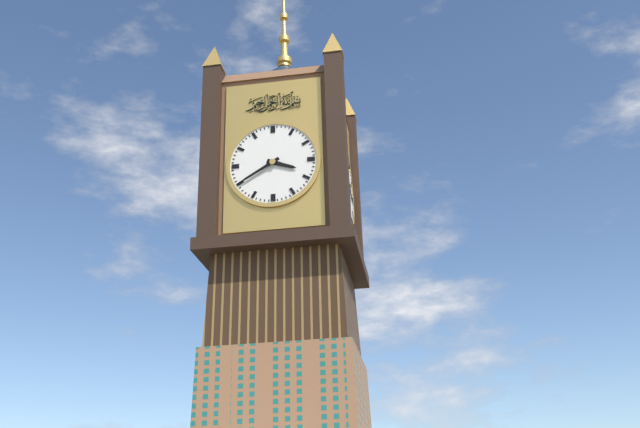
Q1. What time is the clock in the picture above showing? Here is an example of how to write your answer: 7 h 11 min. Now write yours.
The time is 3 h 40 min
